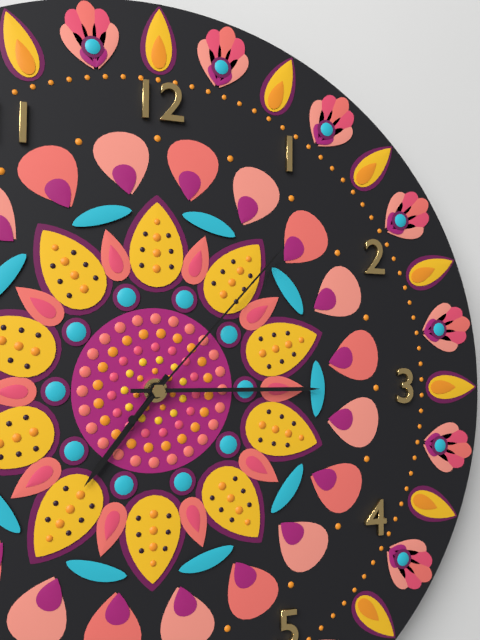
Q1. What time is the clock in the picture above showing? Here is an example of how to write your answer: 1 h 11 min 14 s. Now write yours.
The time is 7 h 15 min 07 s
